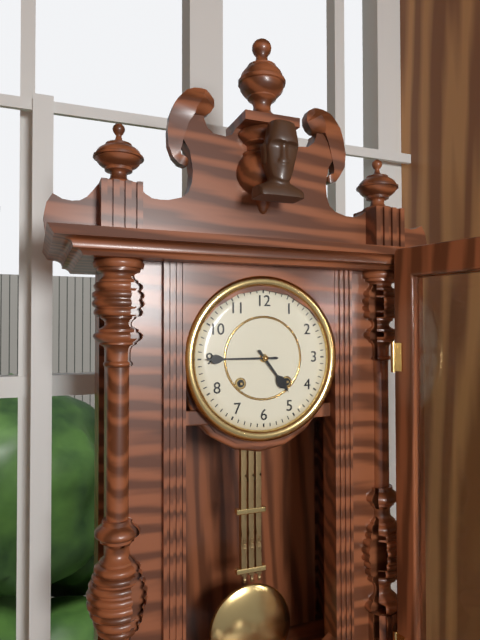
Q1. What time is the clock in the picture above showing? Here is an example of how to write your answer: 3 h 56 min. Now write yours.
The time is 4 h 45 min
